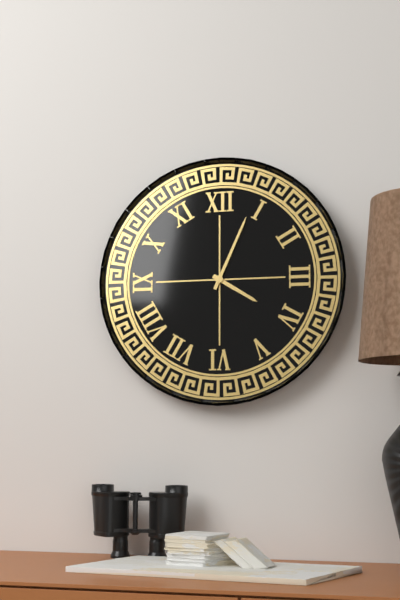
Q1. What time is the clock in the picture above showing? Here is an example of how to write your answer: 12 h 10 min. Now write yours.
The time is 4 h 04 min
